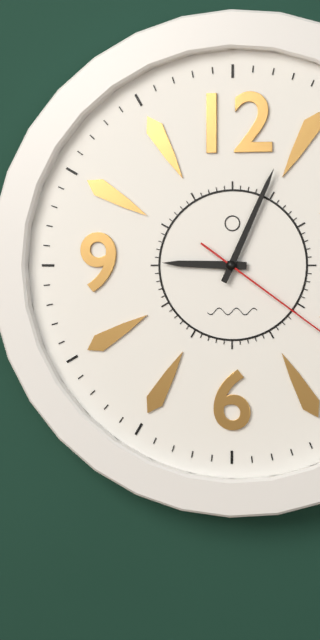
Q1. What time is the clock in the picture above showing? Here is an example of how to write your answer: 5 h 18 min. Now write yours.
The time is 9 h 04 min
